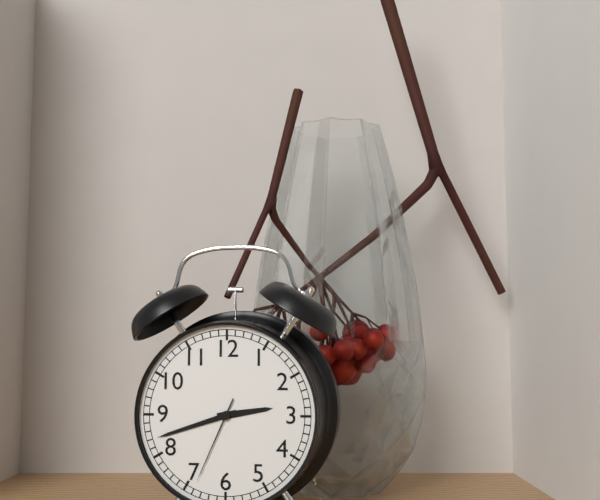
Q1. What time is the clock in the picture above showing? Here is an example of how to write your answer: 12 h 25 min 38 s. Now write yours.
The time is 2 h 42 min 34 s
